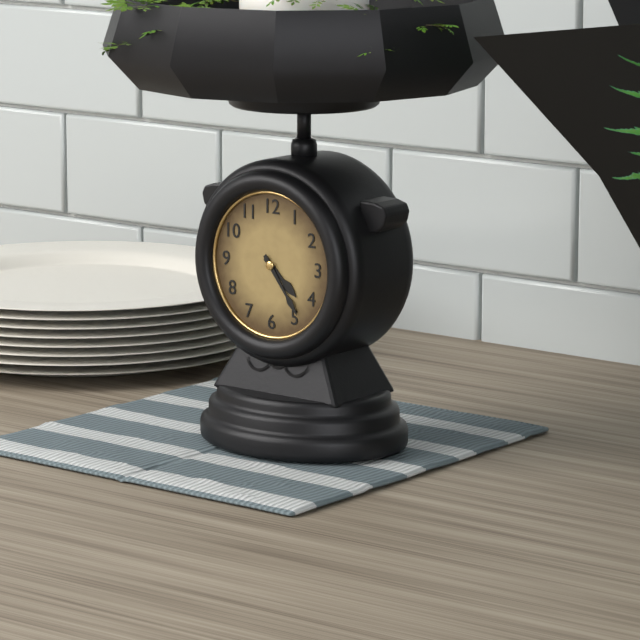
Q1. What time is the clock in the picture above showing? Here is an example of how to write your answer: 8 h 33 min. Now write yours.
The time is 4 h 24 min
